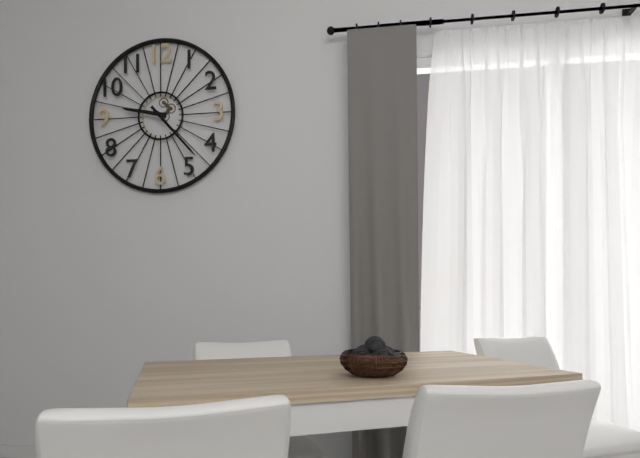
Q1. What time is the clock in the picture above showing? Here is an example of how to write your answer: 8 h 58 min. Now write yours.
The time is 9 h 23 min
